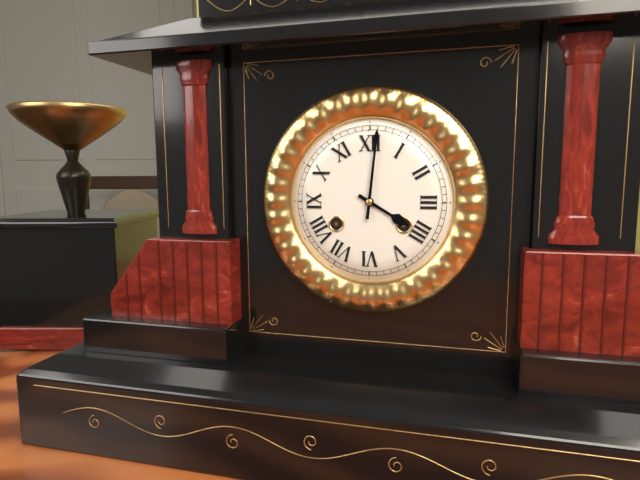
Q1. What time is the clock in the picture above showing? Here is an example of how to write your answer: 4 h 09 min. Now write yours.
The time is 4 h 01 min
